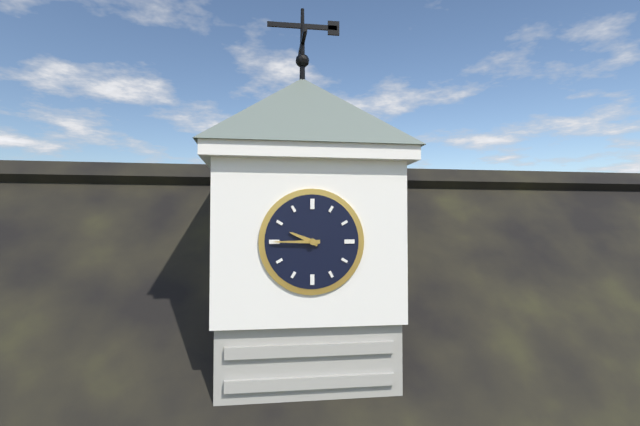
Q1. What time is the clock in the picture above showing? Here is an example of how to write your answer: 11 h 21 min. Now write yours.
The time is 9 h 45 min
